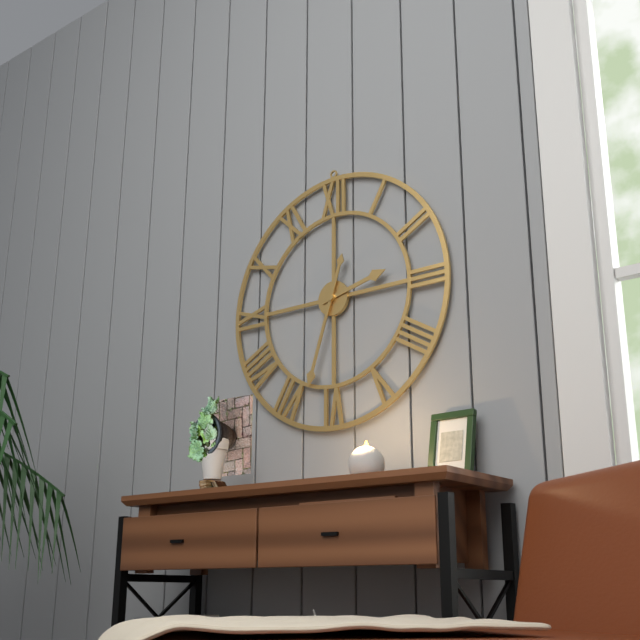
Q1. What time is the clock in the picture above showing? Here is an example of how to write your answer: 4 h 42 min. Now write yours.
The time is 2 h 33 min
